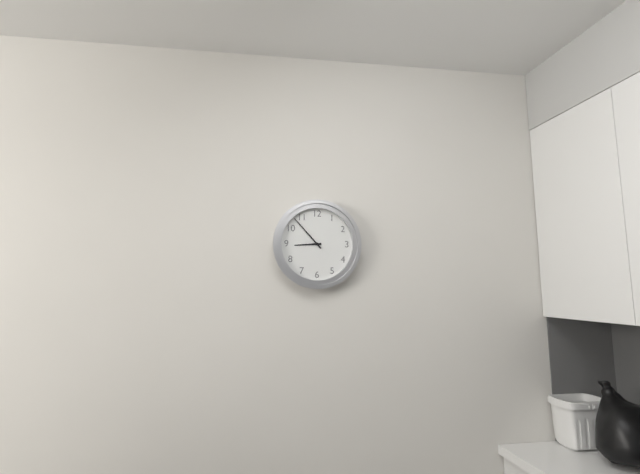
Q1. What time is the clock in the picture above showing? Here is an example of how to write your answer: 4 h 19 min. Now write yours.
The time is 8 h 53 min
